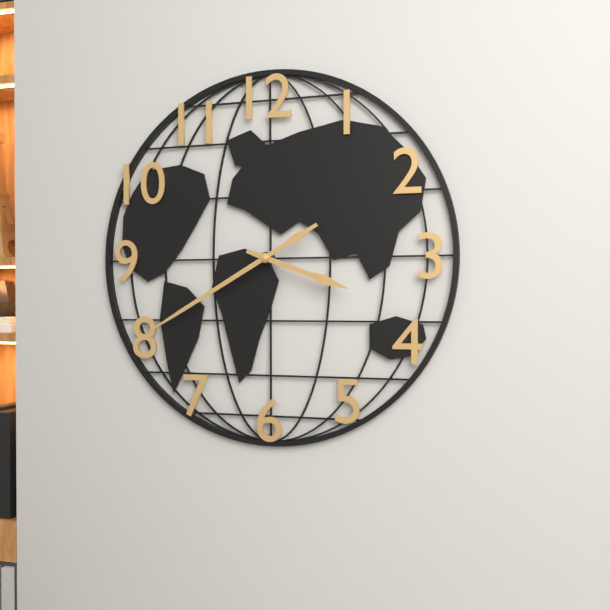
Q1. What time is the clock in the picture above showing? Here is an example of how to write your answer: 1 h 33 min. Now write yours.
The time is 3 h 40 min
